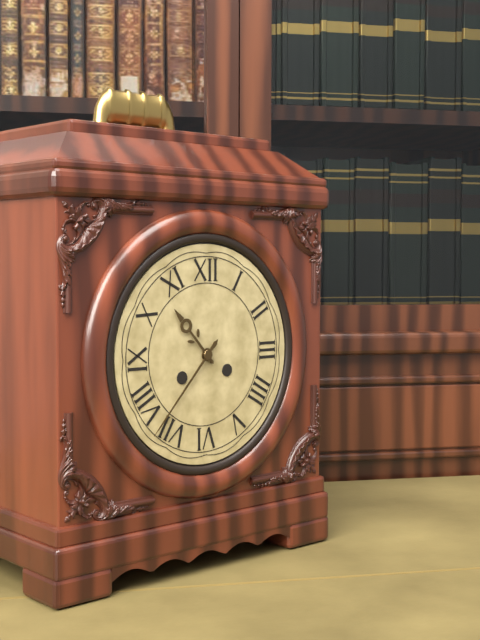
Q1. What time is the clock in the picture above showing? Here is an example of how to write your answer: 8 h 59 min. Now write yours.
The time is 10 h 37 min
